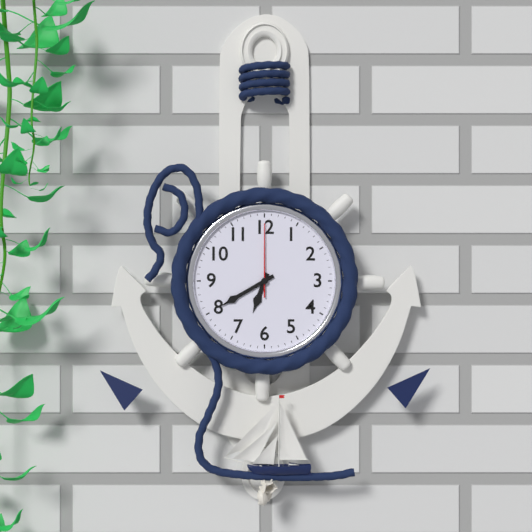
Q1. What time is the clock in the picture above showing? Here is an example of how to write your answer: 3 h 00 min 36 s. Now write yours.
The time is 6 h 40 min 00 s
